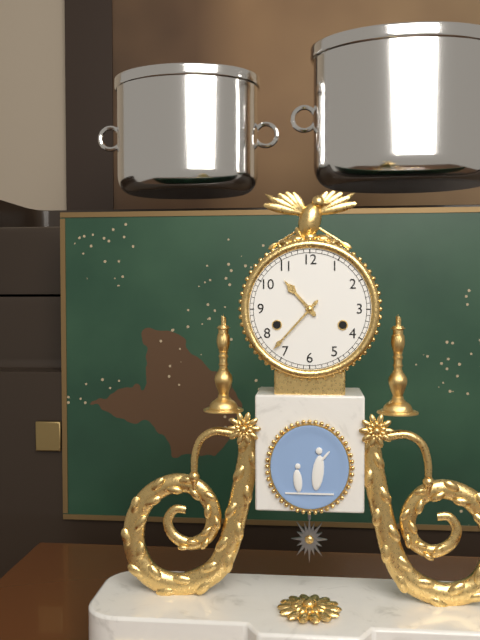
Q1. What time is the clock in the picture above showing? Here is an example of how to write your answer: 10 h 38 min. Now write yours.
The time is 10 h 37 min
